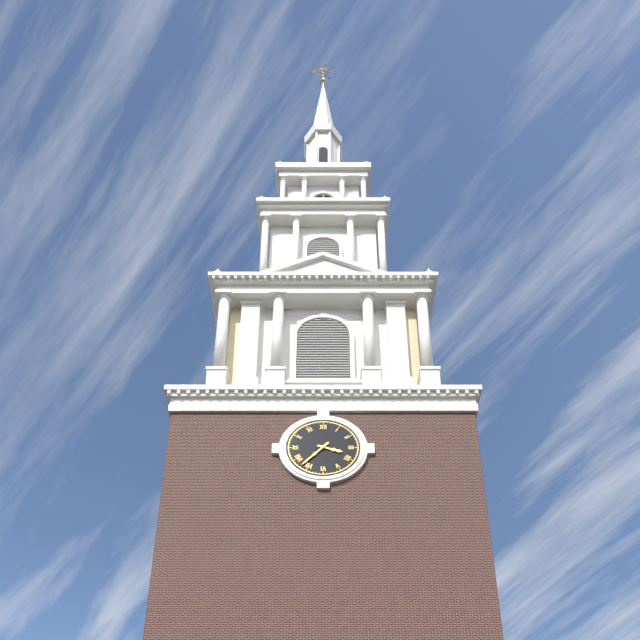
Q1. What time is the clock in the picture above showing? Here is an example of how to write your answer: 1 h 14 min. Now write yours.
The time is 3 h 37 min
